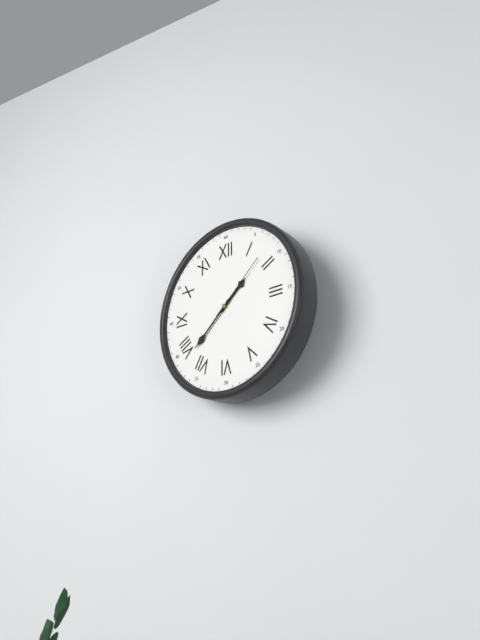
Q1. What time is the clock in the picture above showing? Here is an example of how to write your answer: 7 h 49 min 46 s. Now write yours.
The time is 1 h 38 min 08 s
